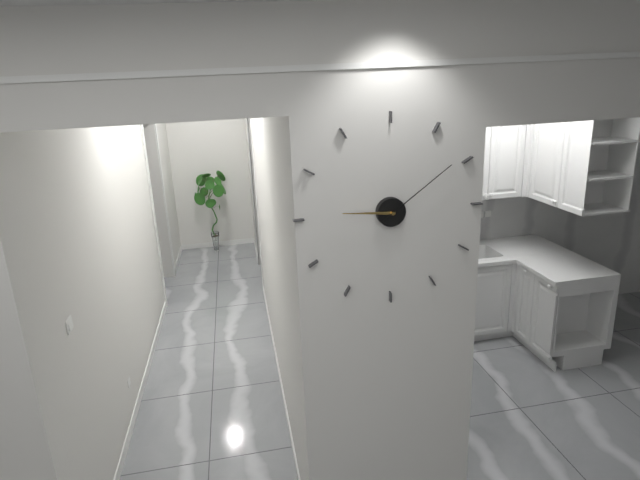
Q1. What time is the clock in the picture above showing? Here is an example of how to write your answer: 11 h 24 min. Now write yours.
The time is 9 h 09 min
